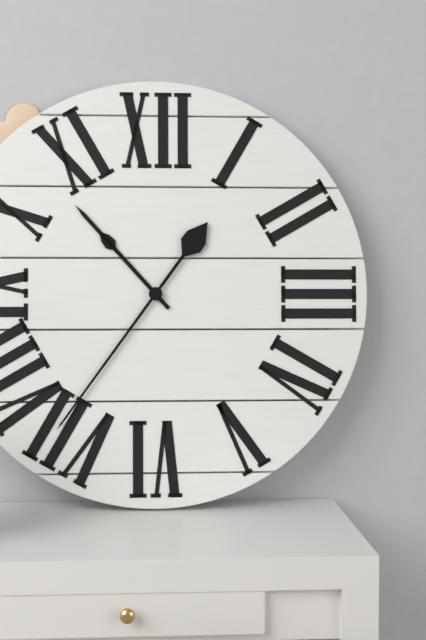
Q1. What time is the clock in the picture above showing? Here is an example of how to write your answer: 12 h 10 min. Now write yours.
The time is 10 h 36 min
